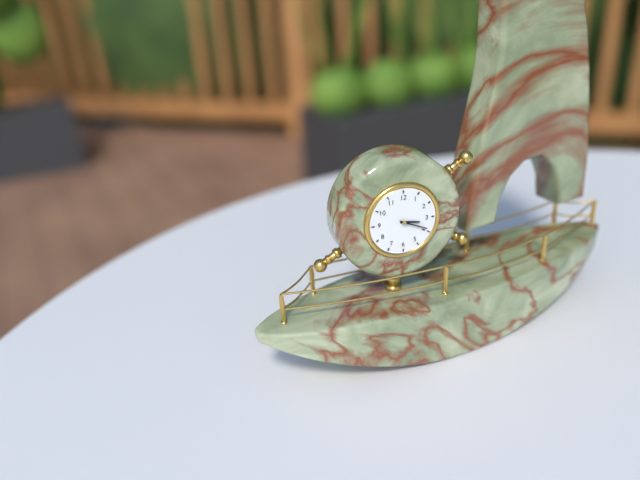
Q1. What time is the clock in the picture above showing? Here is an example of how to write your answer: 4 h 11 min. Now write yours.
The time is 3 h 19 min
